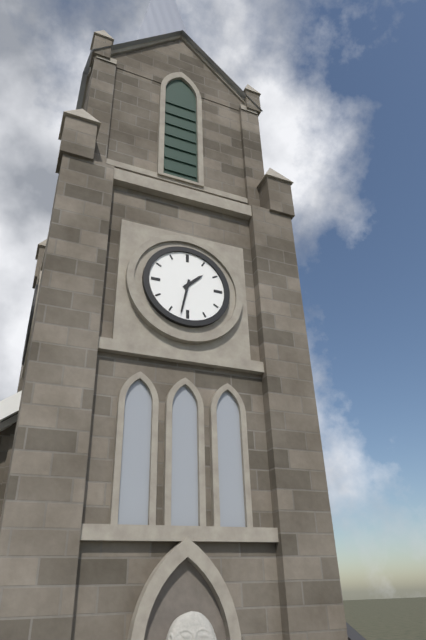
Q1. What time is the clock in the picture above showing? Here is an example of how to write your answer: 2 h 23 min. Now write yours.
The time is 1 h 32 min
